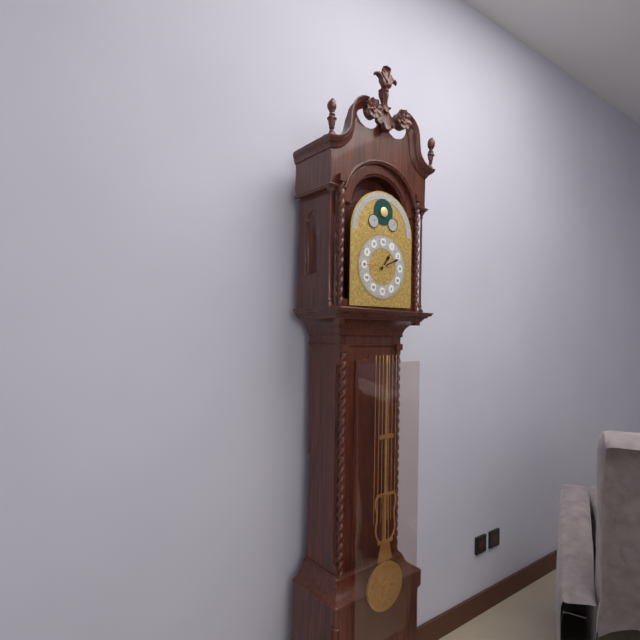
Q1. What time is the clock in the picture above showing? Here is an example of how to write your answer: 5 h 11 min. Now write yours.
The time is 1 h 11 min
